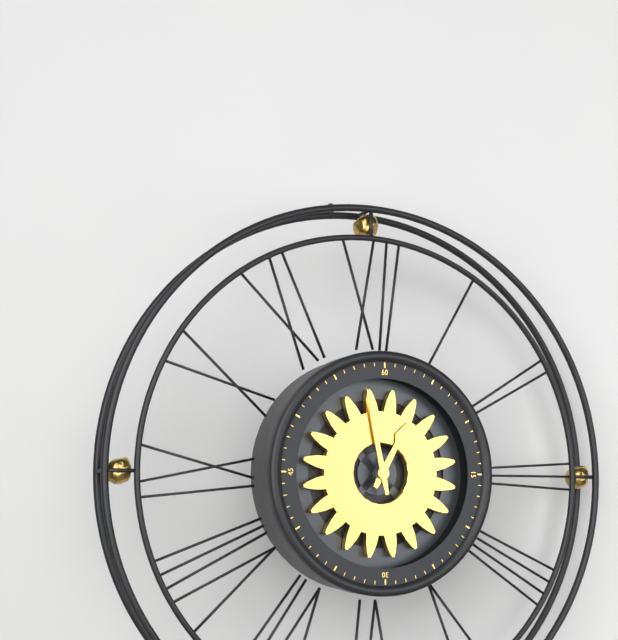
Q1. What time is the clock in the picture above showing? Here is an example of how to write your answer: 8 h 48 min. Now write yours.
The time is 12 h 58 min
